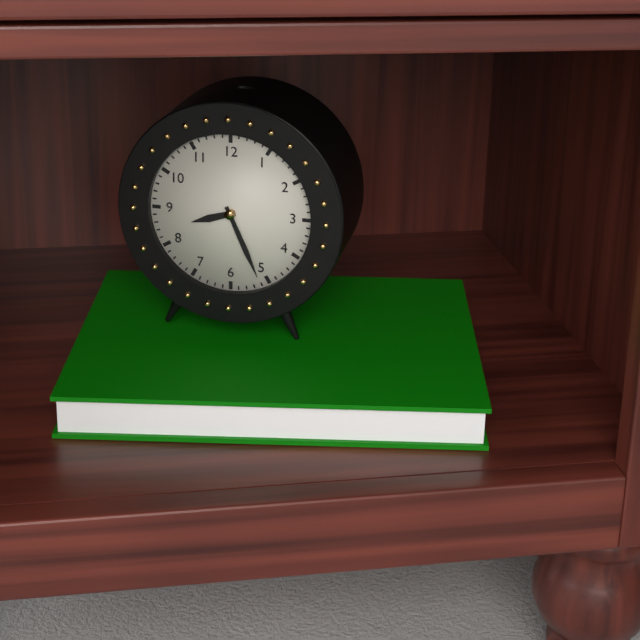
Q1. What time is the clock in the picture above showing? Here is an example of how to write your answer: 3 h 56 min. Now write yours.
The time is 8 h 26 min
